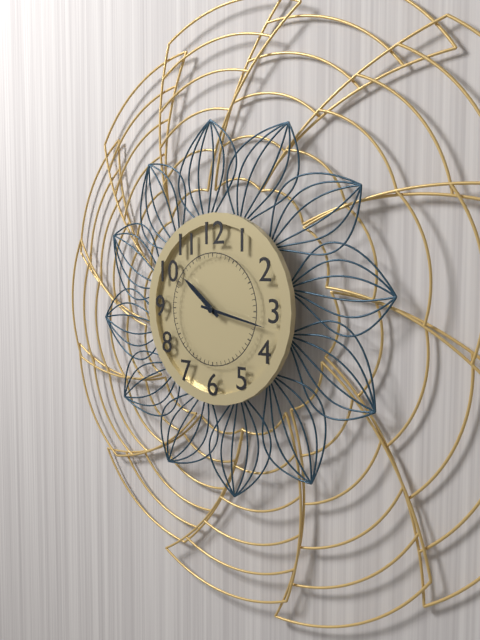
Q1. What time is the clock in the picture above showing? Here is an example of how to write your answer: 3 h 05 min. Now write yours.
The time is 10 h 17 min
